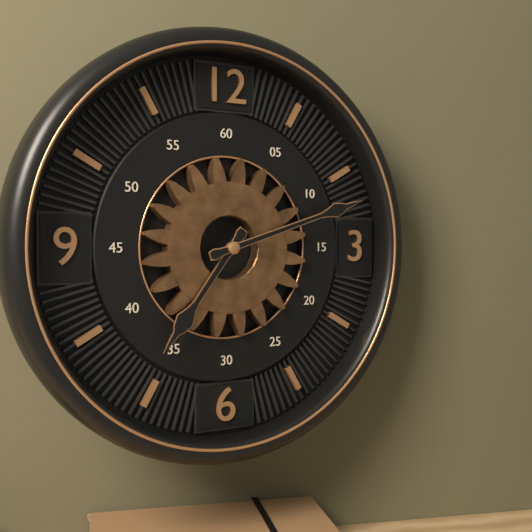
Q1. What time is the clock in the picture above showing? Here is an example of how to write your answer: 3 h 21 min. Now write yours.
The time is 7 h 12 min
